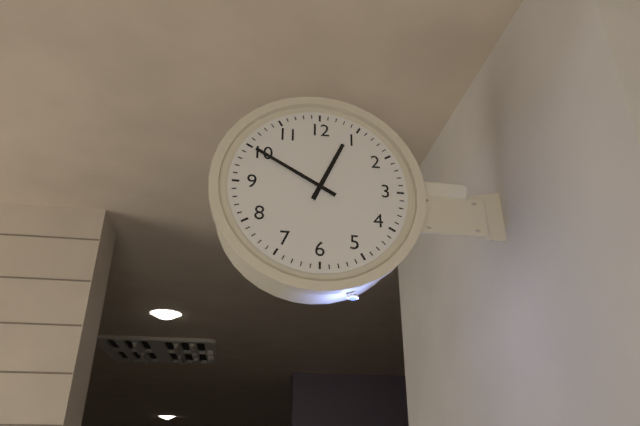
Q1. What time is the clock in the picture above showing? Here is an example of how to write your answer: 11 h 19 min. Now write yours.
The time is 12 h 50 min
